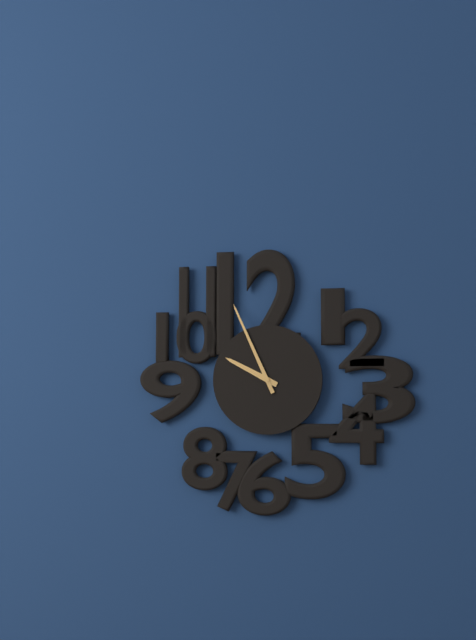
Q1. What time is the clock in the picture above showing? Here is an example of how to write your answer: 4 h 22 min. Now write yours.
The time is 9 h 56 min
